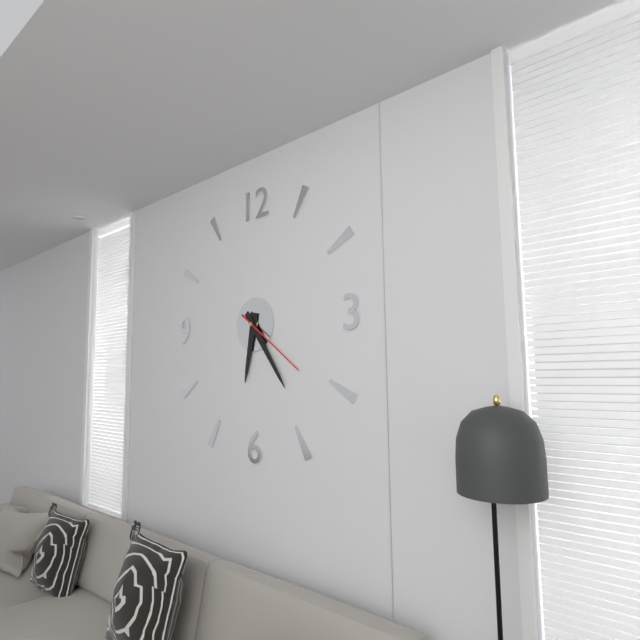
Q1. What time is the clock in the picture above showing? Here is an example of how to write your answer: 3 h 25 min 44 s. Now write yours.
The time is 6 h 24 min 21 s
